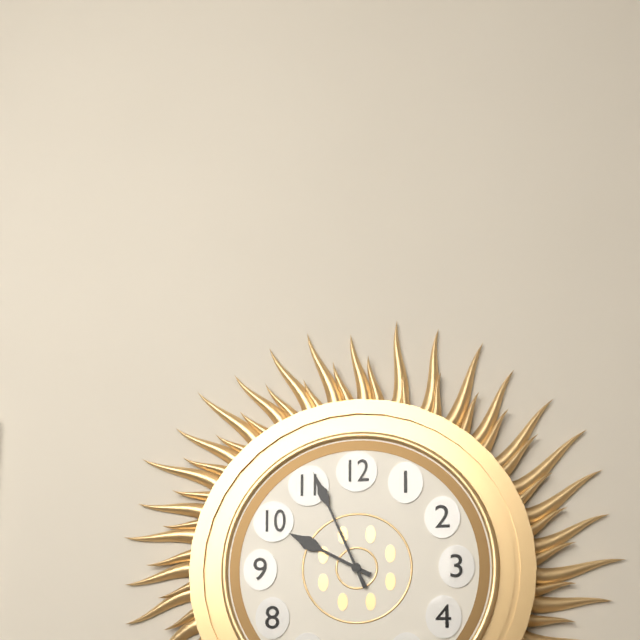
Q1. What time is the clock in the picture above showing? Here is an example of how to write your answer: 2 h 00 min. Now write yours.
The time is 9 h 56 min
